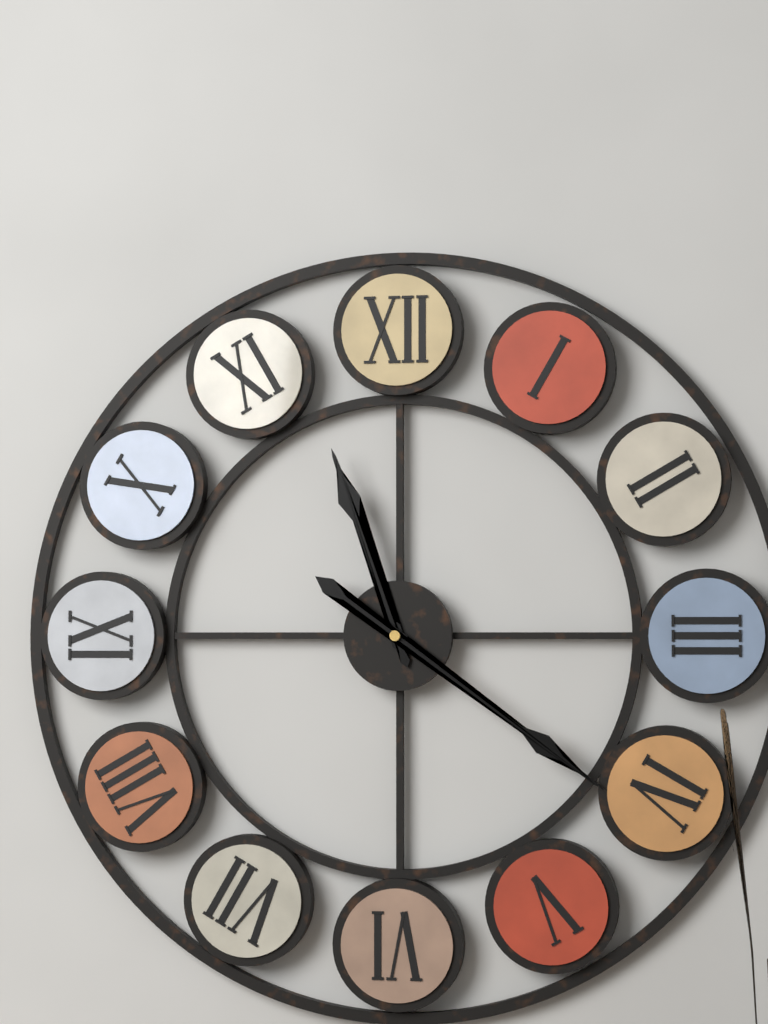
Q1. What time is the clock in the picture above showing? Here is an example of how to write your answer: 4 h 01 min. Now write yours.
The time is 11 h 21 min
